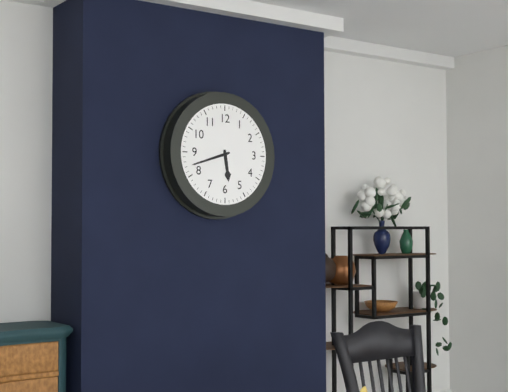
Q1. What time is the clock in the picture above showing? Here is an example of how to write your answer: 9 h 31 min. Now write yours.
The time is 5 h 42 min
